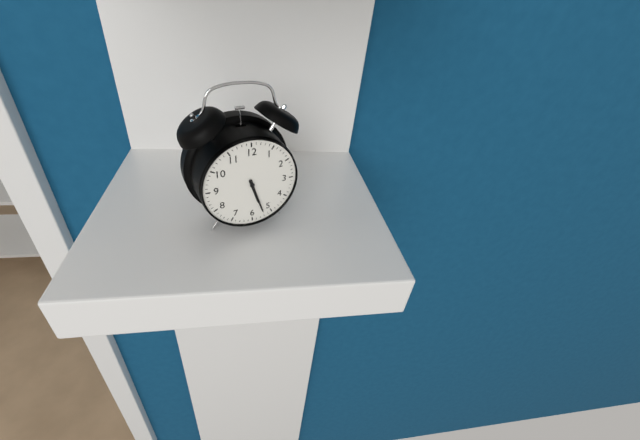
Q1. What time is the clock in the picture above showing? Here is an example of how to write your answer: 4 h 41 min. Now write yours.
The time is 5 h 27 min
